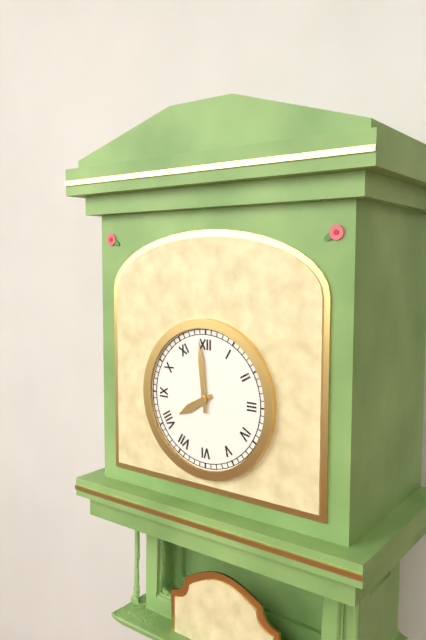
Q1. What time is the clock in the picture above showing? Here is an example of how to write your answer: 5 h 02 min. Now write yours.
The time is 7 h 59 min
